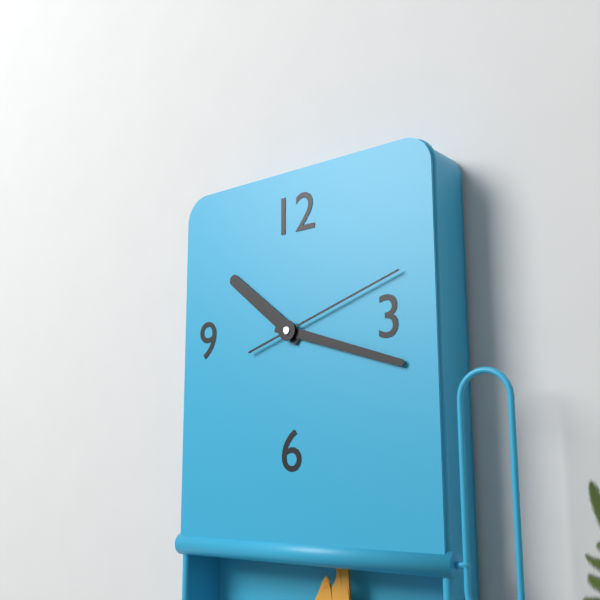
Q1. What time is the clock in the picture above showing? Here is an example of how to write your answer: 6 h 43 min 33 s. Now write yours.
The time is 10 h 18 min 12 s
